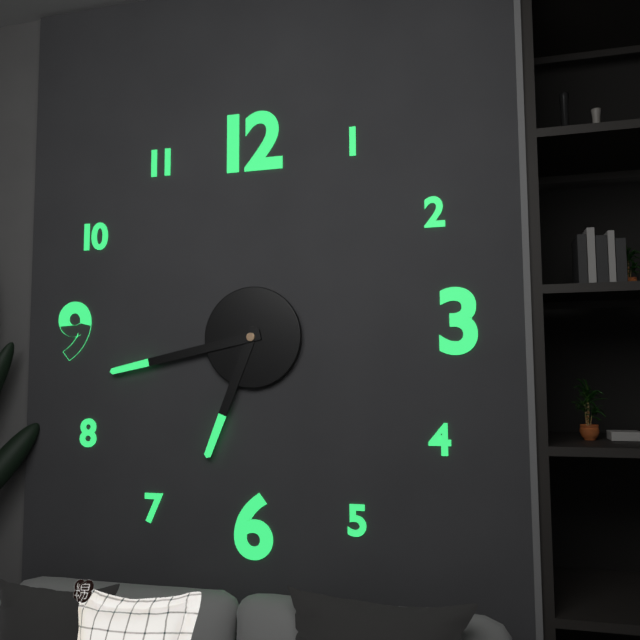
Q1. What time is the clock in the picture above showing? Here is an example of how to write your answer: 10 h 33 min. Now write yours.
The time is 6 h 43 min
